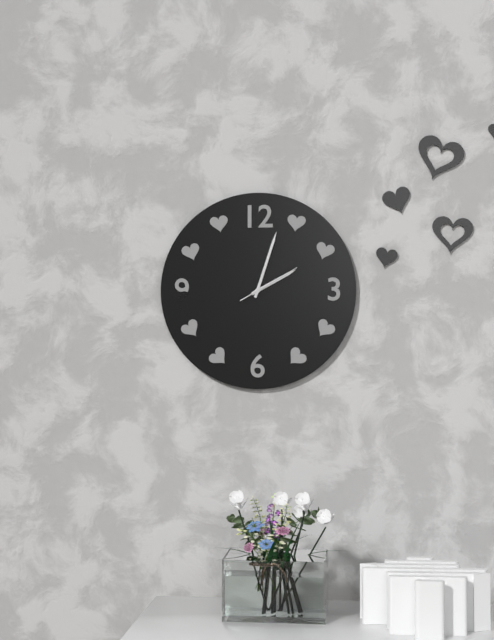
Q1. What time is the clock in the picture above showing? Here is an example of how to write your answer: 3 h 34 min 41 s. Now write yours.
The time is 2 h 03 min 10 s
